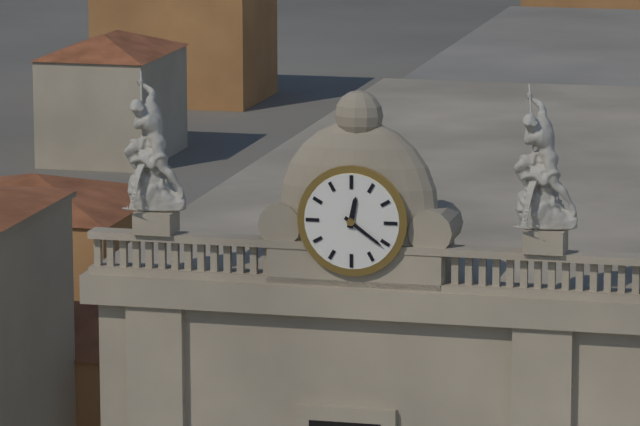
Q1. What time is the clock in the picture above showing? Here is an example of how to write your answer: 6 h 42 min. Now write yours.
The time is 12 h 21 min
